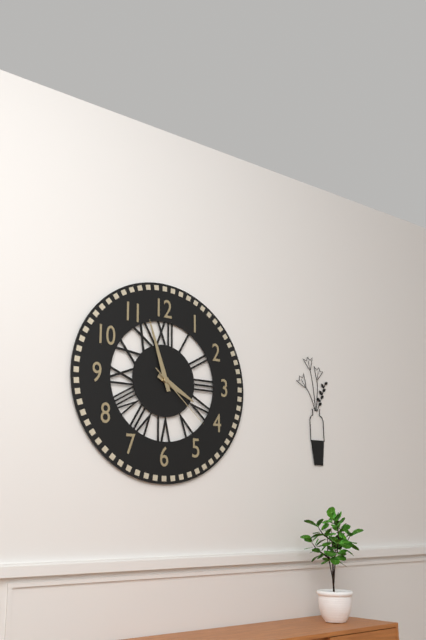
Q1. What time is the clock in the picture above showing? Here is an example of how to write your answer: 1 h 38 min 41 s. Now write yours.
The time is 3 h 57 min 22 s
